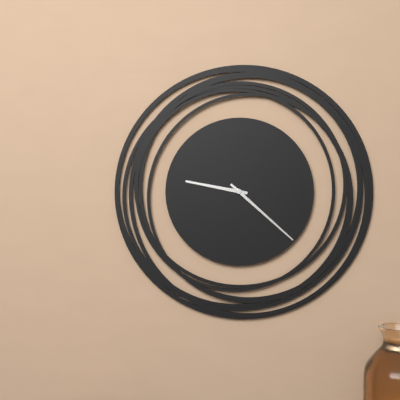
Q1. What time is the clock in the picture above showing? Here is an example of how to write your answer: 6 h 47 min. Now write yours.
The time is 9 h 22 min
